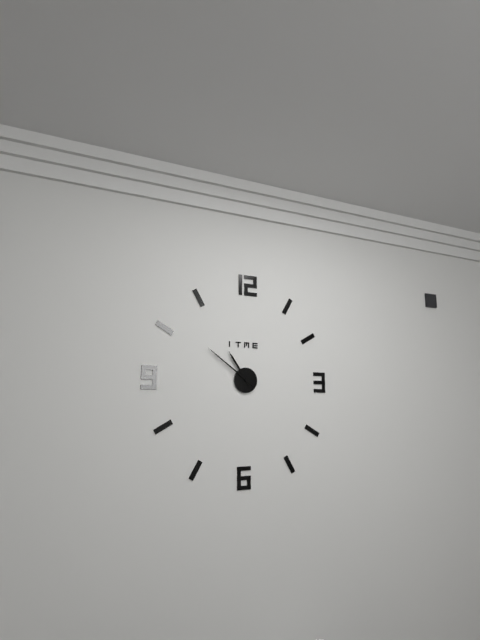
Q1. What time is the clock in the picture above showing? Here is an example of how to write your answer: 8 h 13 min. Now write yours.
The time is 10 h 51 min
